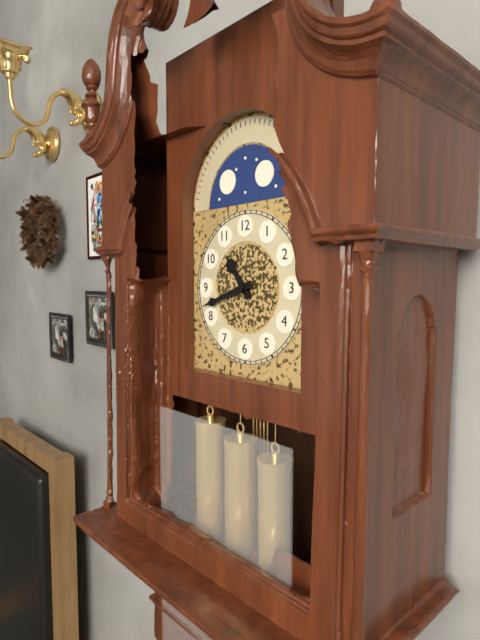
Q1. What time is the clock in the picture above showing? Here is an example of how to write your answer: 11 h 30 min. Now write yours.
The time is 10 h 42 min
